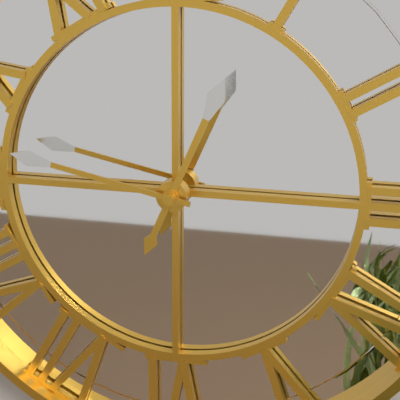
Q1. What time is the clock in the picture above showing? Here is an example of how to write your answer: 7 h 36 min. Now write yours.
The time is 12 h 47 min
